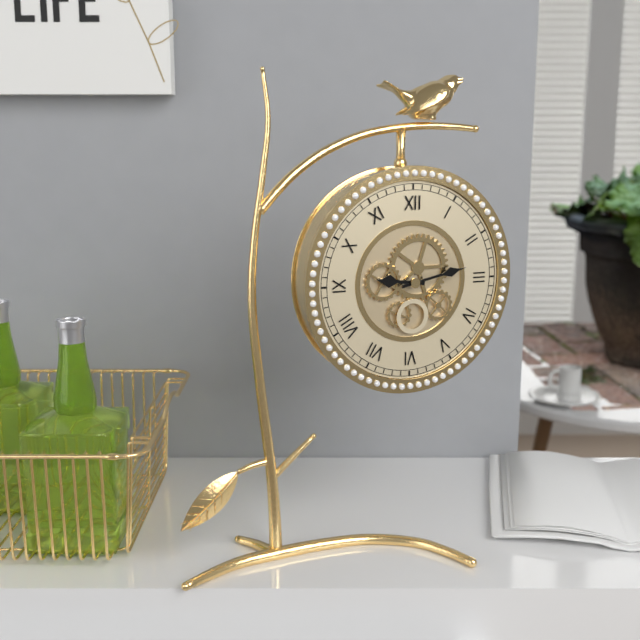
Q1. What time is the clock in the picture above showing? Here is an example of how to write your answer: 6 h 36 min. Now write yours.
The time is 9 h 13 min
